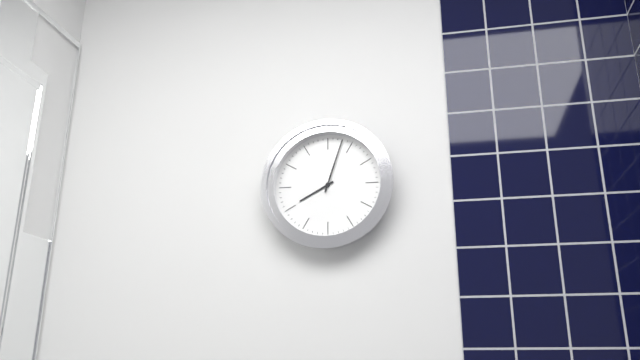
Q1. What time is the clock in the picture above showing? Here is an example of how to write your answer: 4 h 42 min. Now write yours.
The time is 8 h 03 min
